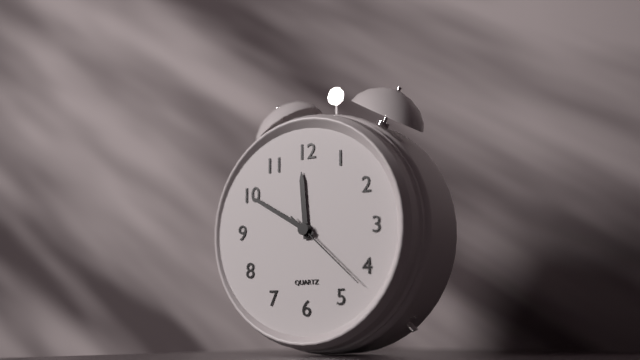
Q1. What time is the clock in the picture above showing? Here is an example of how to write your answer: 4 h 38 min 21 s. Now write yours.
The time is 11 h 50 min 22 s
